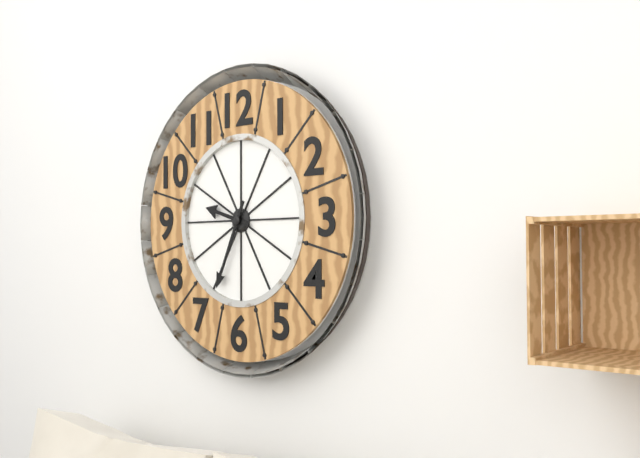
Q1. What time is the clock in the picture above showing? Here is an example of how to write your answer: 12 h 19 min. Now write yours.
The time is 9 h 34 min
